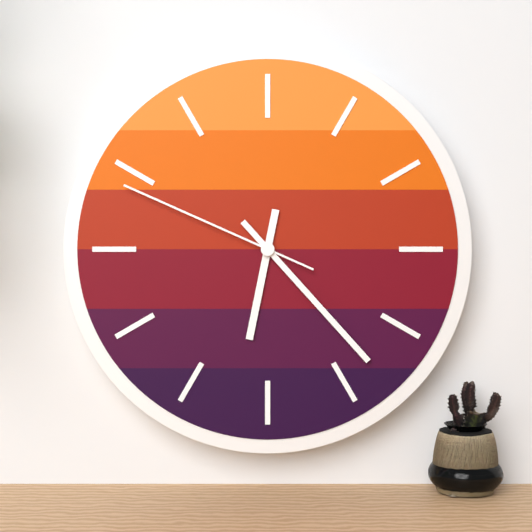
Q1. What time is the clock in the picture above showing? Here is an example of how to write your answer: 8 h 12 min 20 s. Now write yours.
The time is 6 h 23 min 49 s
